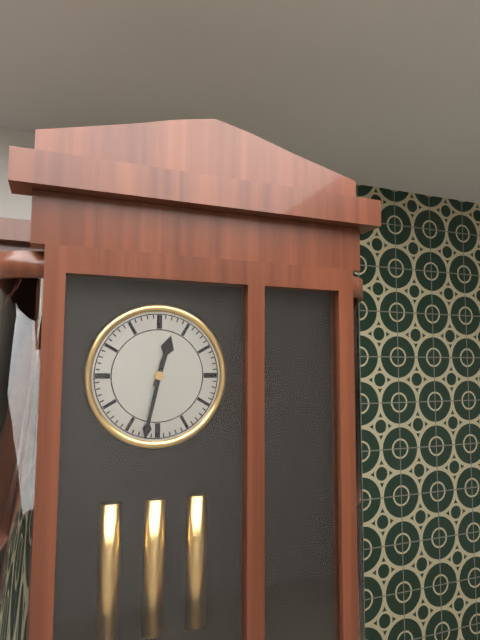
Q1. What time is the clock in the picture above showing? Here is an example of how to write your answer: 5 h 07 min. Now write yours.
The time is 12 h 32 min
